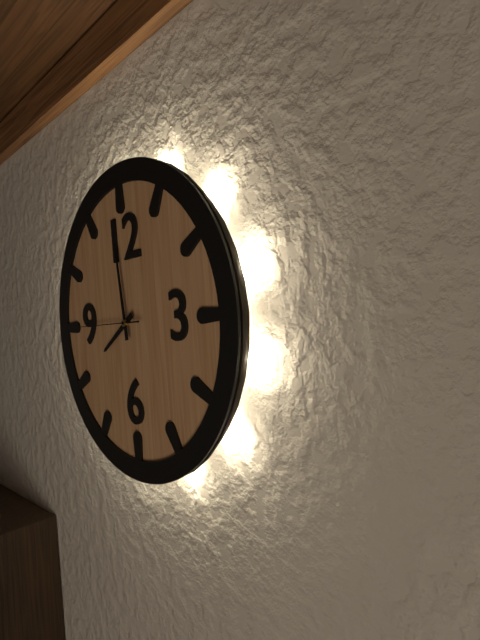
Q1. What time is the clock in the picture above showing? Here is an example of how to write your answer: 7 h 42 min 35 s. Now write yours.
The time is 7 h 59 min 45 s
